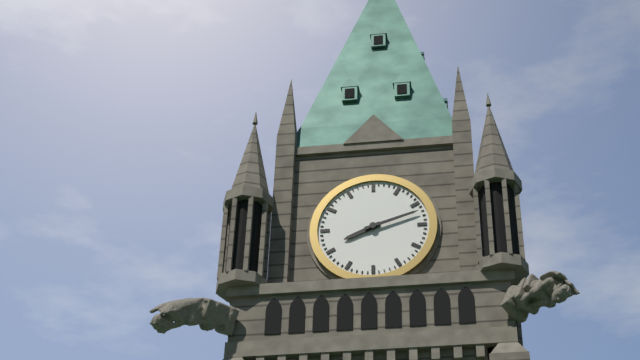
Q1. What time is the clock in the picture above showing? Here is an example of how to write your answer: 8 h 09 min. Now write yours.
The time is 8 h 12 min
